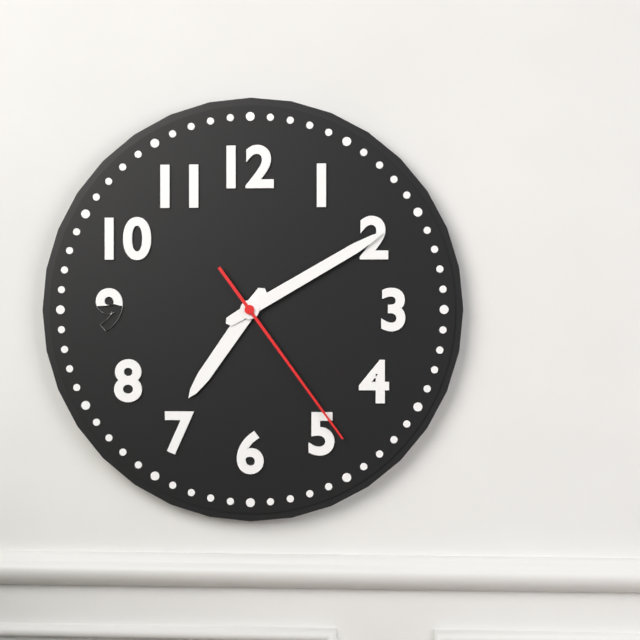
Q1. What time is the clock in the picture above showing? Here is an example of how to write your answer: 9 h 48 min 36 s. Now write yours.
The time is 7 h 10 min 24 s
